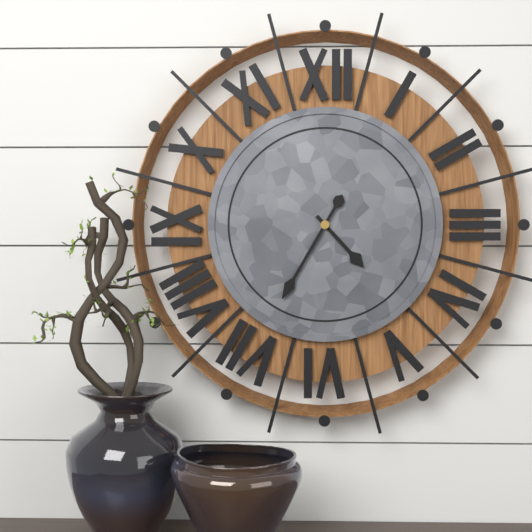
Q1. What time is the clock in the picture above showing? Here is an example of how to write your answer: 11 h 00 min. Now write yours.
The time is 4 h 35 min
